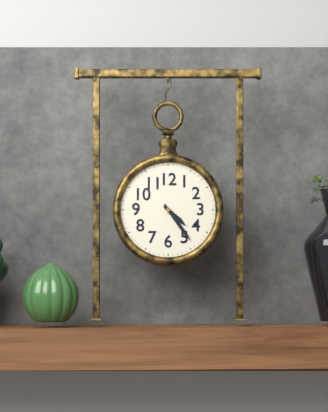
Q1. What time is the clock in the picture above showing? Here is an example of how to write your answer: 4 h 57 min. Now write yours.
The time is 4 h 24 min
